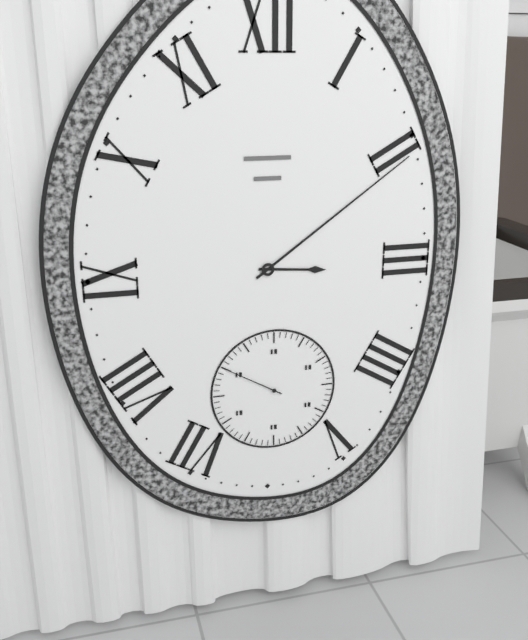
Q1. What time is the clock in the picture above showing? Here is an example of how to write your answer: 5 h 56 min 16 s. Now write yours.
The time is 3 h 09 min 50 s
